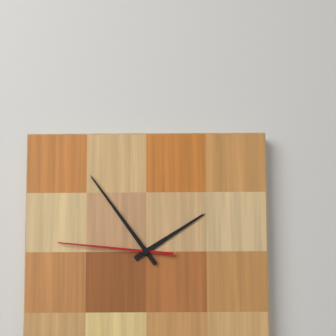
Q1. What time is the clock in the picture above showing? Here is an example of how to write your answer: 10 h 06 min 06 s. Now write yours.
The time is 1 h 54 min 46 s
